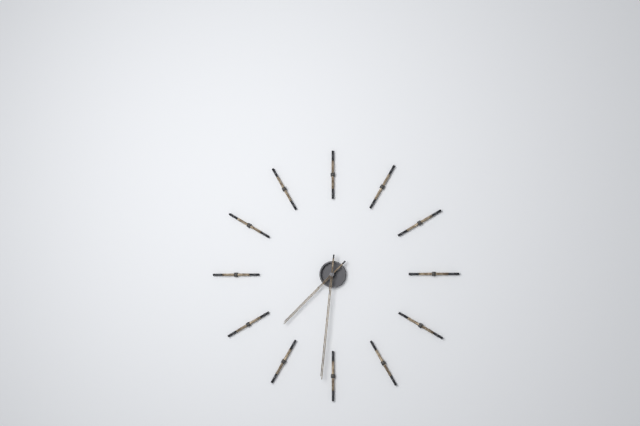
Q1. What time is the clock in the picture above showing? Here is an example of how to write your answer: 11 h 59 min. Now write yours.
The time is 7 h 31 min
